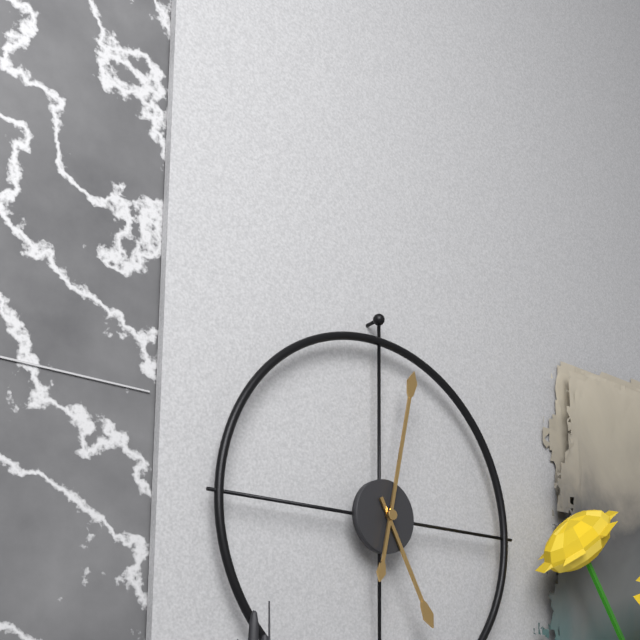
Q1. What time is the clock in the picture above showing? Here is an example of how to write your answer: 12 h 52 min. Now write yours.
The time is 5 h 02 min
